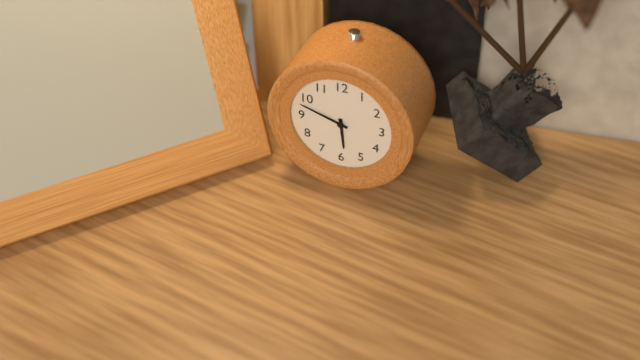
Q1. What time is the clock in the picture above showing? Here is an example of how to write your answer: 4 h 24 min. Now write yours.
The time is 5 h 48 min
